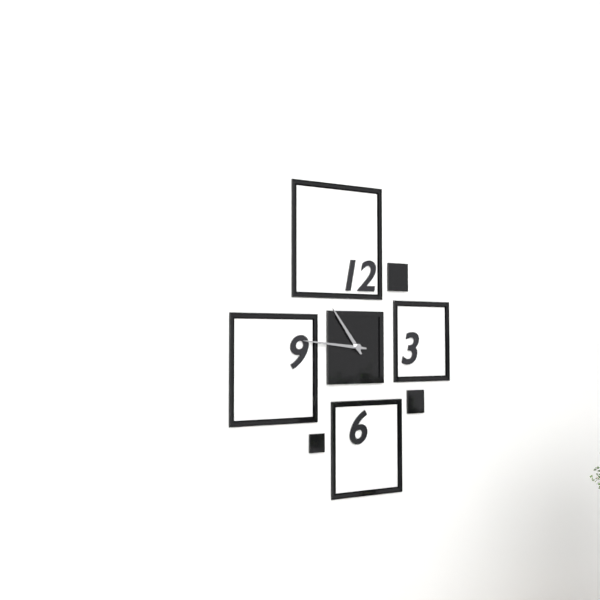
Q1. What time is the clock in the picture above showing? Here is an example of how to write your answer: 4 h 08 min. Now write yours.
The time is 10 h 46 min
